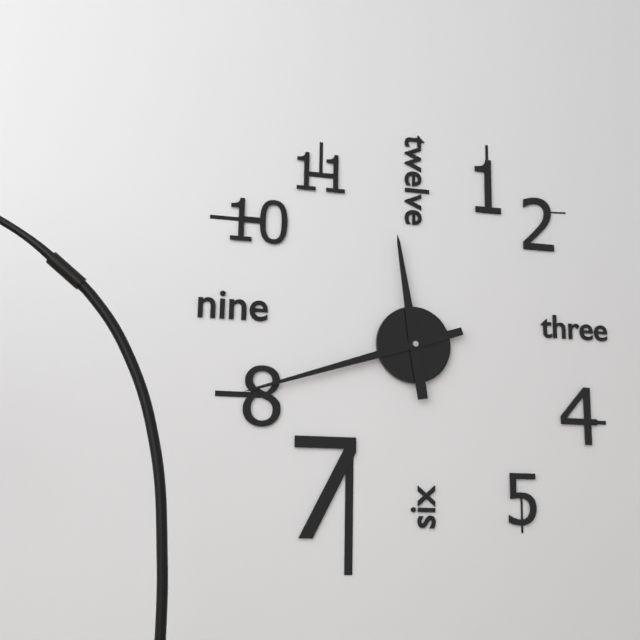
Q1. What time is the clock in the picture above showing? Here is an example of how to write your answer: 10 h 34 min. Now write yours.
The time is 11 h 42 min
